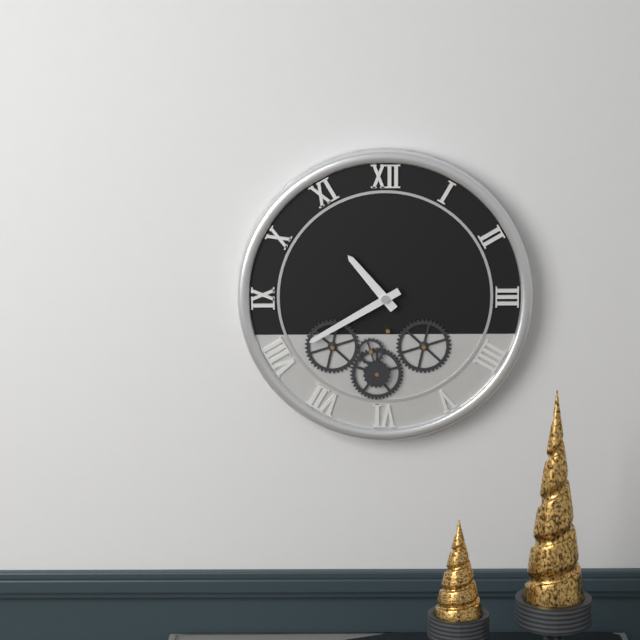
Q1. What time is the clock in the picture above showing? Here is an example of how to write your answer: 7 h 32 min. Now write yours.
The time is 10 h 40 min
